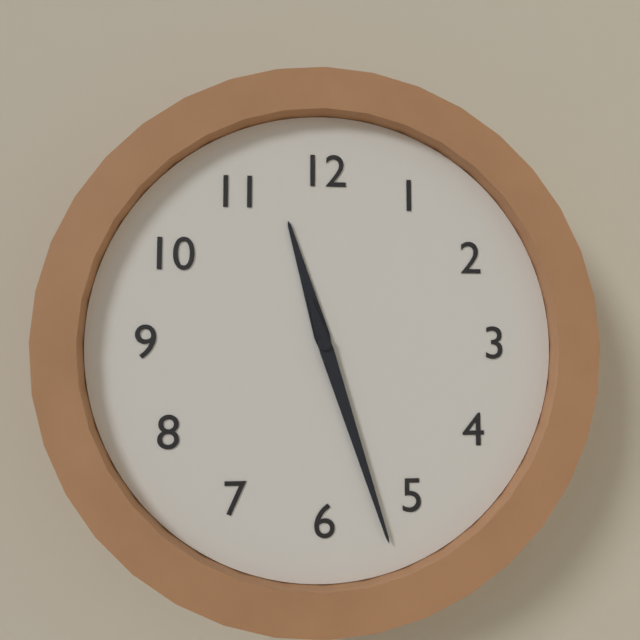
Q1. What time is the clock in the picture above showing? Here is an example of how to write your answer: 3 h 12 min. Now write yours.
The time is 11 h 27 min
